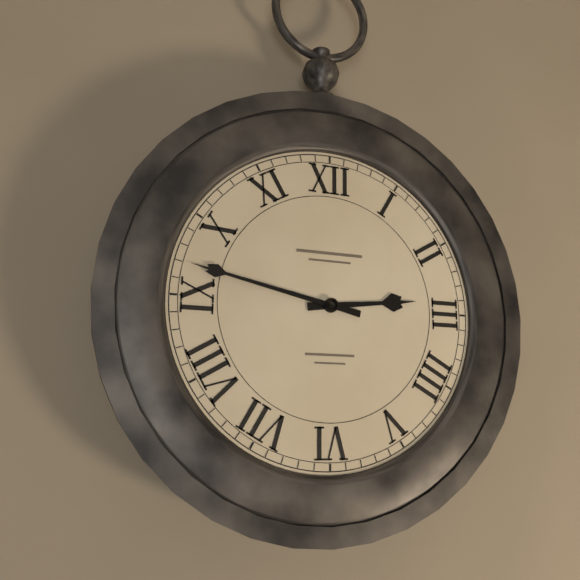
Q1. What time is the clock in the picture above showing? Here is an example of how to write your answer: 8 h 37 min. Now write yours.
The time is 2 h 47 min
